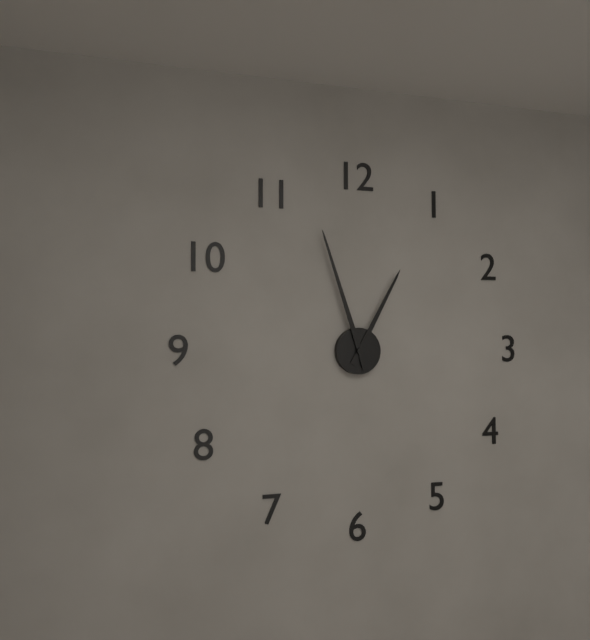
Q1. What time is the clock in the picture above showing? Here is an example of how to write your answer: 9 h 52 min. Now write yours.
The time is 12 h 57 min
